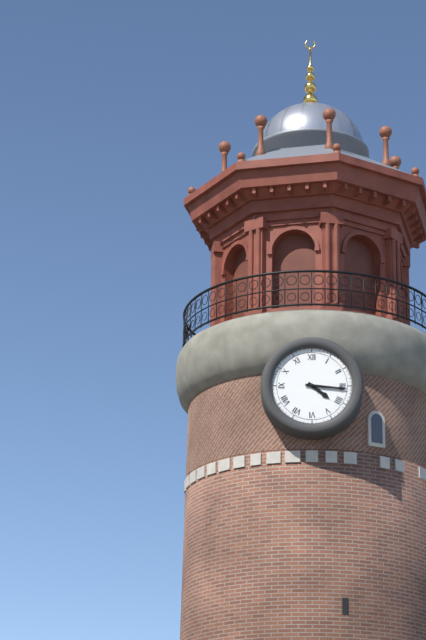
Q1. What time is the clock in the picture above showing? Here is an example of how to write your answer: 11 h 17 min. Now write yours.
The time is 4 h 16 min
